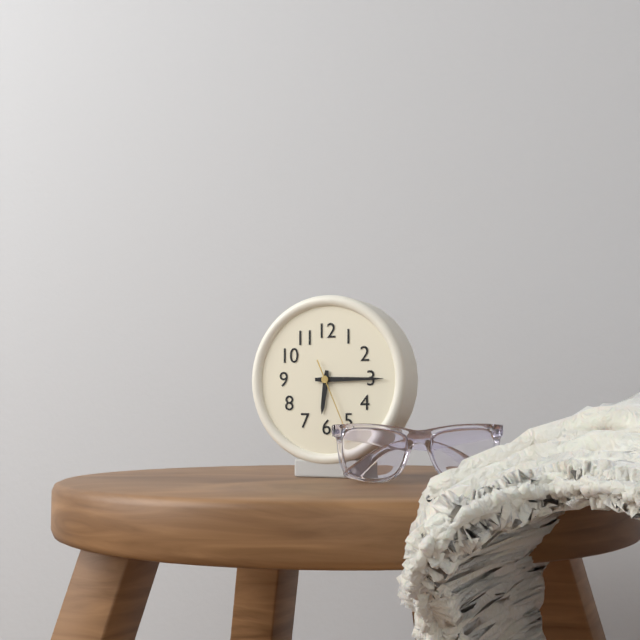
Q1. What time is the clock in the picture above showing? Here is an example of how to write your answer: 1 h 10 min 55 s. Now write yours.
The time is 6 h 15 min 26 s
